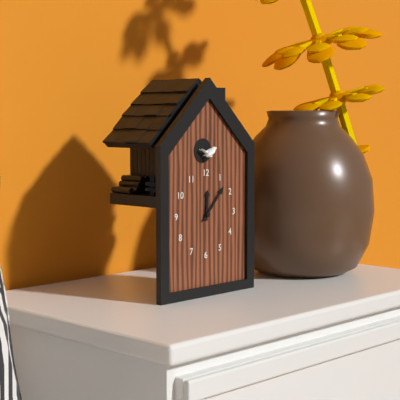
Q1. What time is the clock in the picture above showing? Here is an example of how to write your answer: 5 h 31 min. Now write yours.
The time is 12 h 07 min
